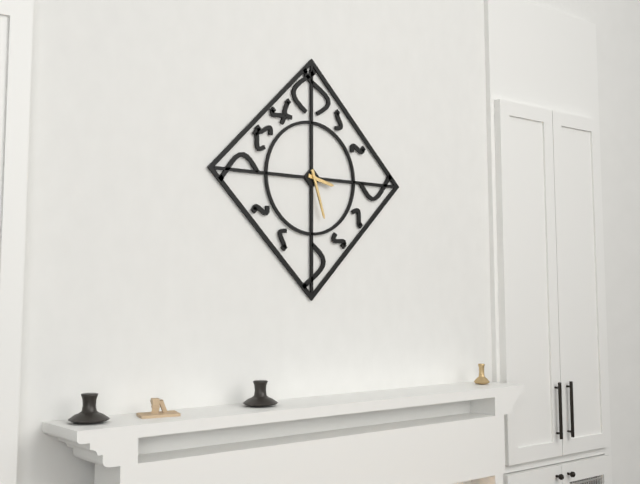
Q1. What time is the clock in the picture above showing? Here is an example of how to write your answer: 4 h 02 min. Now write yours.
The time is 3 h 27 min
